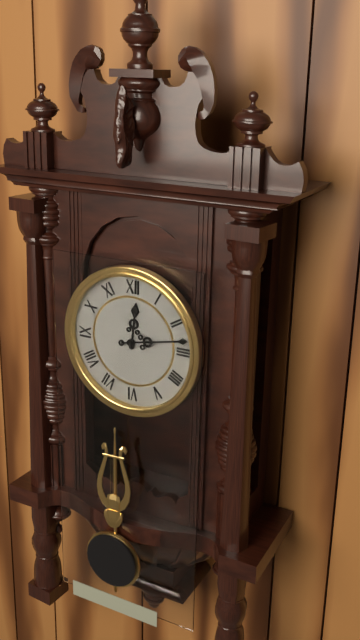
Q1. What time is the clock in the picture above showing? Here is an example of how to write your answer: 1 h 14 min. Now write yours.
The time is 12 h 13 min
